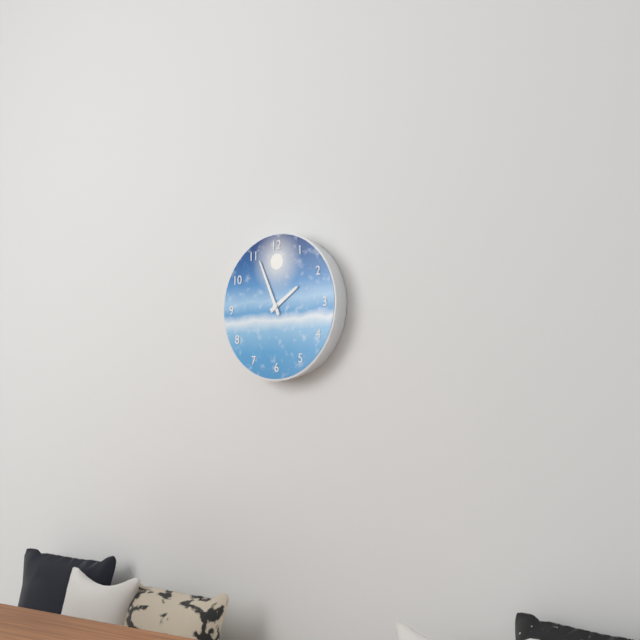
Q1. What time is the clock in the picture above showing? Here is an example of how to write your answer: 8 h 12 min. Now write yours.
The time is 1 h 56 min
